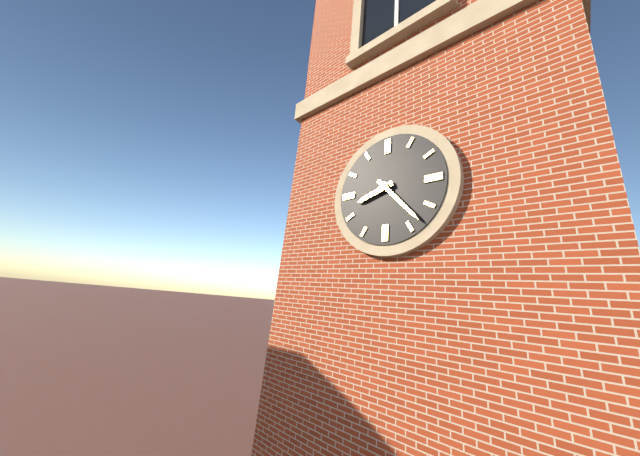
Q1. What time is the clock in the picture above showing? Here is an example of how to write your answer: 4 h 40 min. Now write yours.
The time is 8 h 23 min
